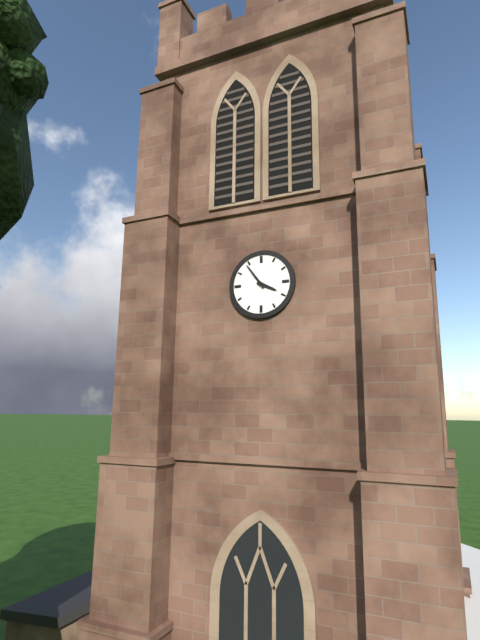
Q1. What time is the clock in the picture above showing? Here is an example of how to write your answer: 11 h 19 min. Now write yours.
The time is 3 h 54 min
